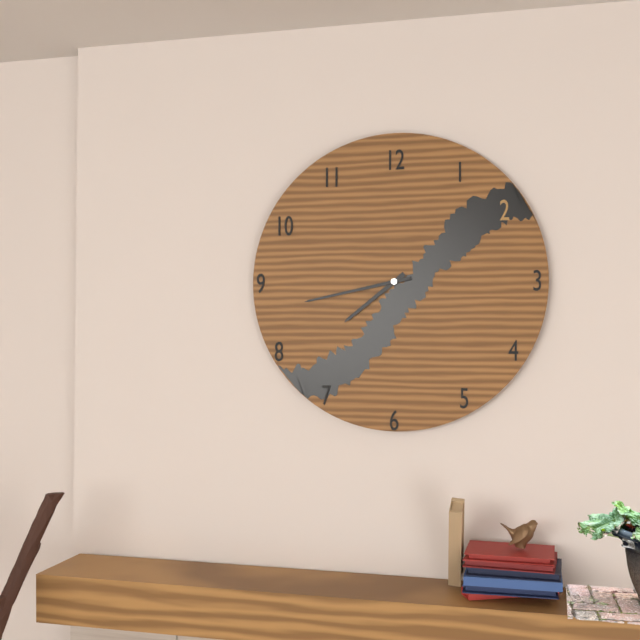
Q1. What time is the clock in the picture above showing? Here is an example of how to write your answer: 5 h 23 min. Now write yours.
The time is 7 h 43 min
